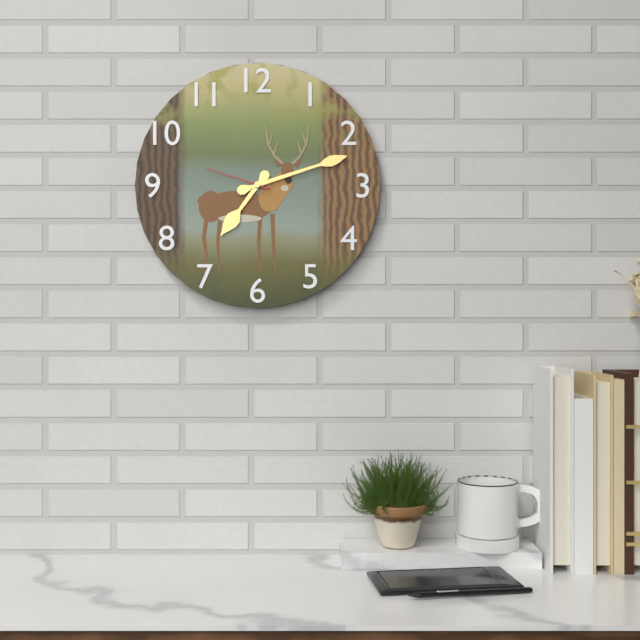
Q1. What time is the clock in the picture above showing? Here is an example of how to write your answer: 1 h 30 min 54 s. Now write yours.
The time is 7 h 12 min 48 s
